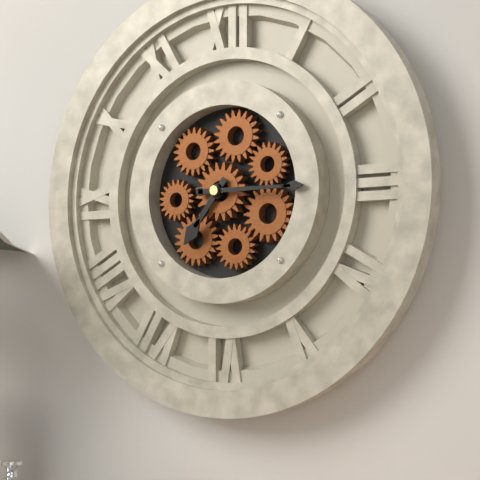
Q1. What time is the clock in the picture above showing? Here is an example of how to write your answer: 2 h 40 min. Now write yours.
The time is 7 h 15 min
